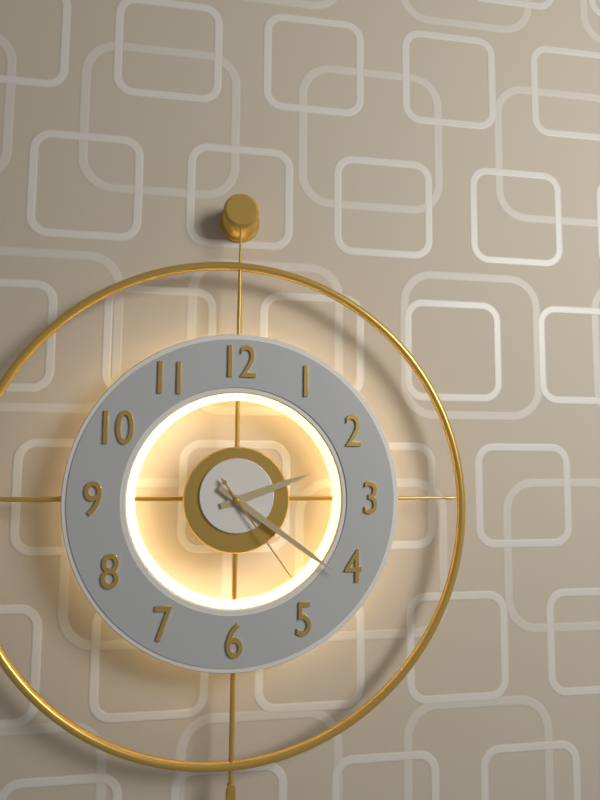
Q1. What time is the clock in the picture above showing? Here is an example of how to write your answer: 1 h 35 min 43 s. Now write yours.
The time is 2 h 21 min 24 s
